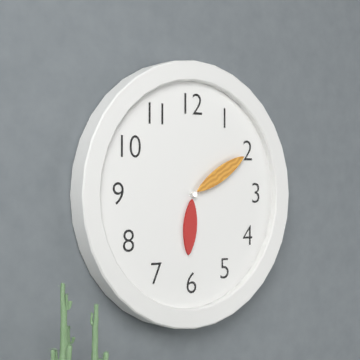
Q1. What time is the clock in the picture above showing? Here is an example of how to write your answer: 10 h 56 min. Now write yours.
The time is 6 h 10 min
